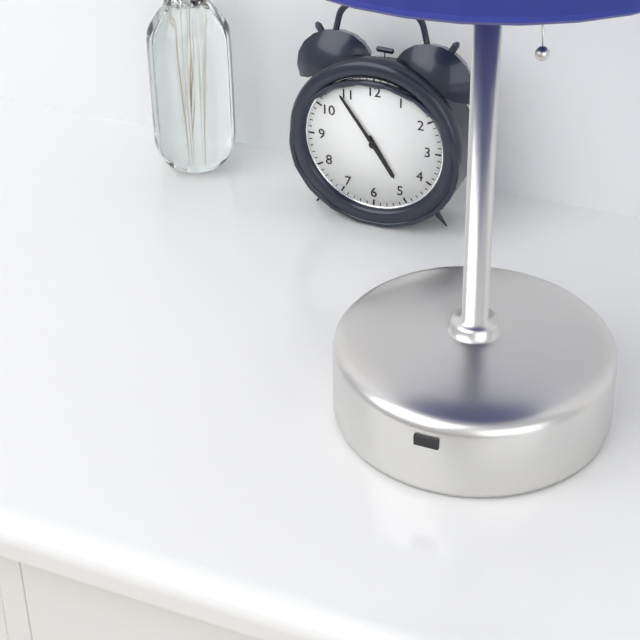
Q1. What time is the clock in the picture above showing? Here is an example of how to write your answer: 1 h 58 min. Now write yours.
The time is 4 h 54 min
